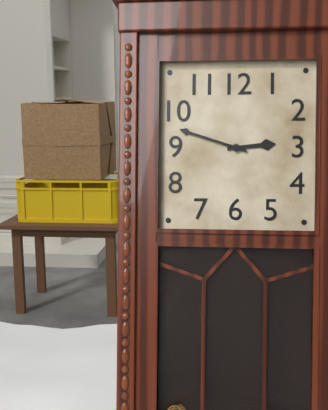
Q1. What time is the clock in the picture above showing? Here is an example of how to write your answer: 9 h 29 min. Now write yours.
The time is 2 h 48 min
